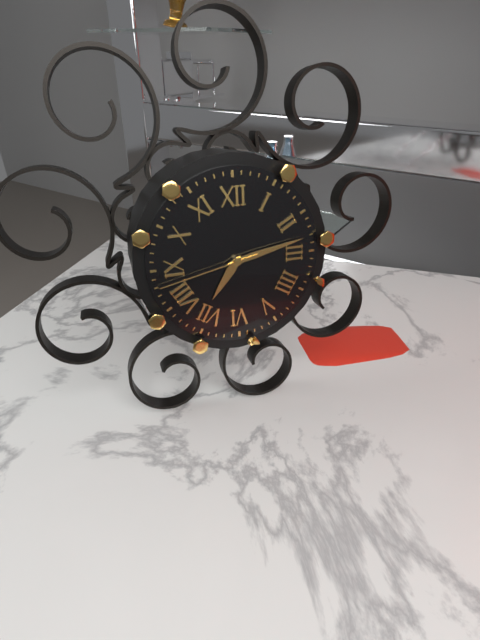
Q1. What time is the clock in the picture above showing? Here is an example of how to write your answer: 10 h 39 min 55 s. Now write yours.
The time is 7 h 13 min 43 s
